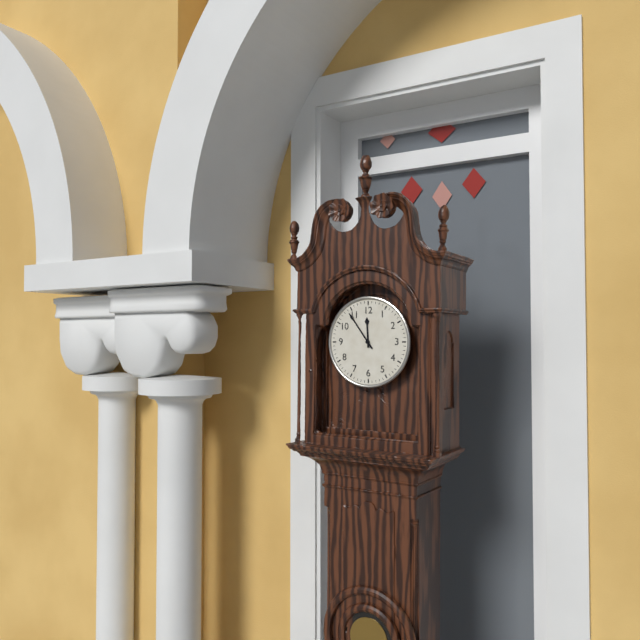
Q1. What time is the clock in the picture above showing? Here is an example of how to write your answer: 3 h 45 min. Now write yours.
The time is 11 h 54 min
